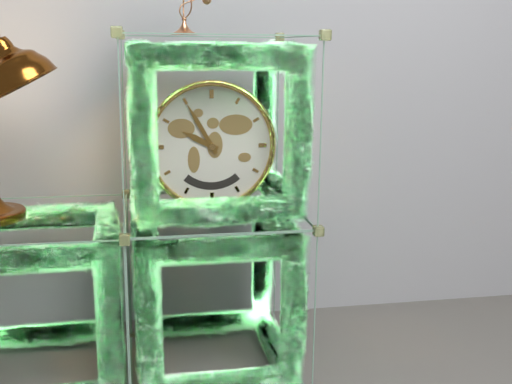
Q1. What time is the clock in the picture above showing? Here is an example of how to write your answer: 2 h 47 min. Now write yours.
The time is 9 h 55 min
